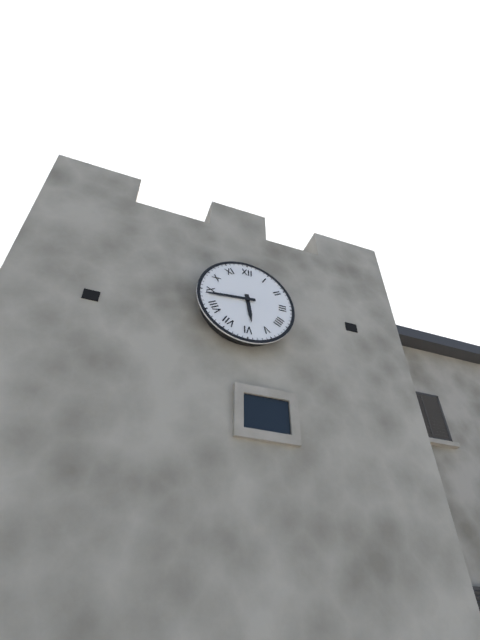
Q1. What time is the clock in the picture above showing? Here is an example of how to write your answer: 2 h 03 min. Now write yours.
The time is 5 h 44 min
